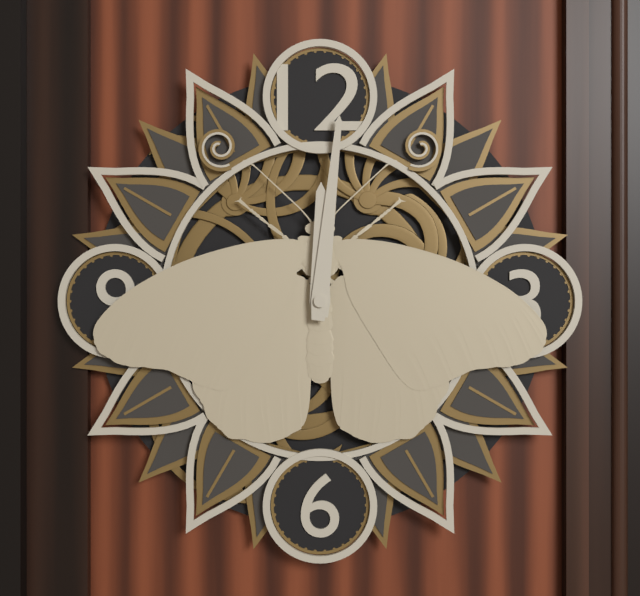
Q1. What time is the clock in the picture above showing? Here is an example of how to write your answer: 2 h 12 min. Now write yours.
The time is 12 h 01 min
